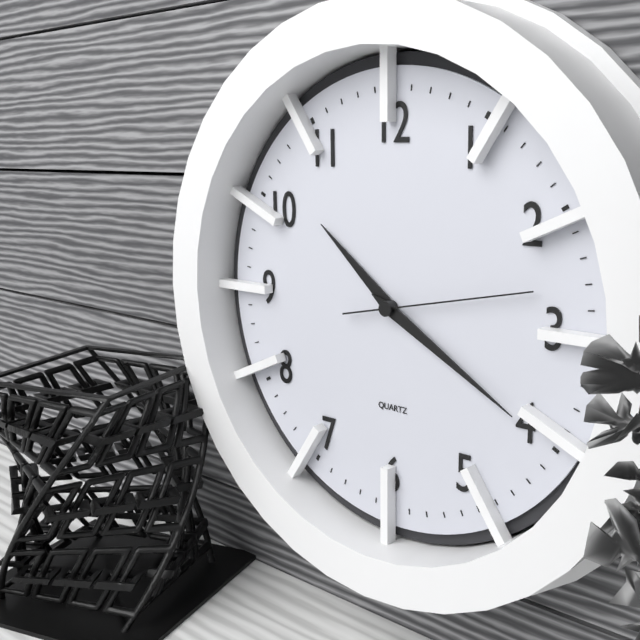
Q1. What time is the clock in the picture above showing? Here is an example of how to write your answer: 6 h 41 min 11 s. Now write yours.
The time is 10 h 20 min 13 s
